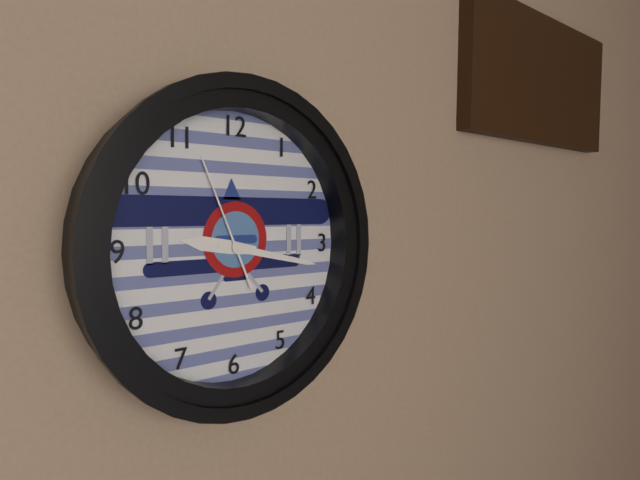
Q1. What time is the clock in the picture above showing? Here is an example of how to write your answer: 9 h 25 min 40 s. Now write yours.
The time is 9 h 17 min 56 s
